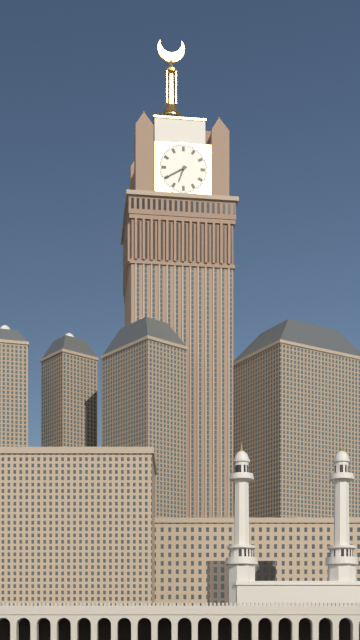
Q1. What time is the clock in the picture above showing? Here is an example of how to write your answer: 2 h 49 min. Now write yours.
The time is 6 h 40 min
